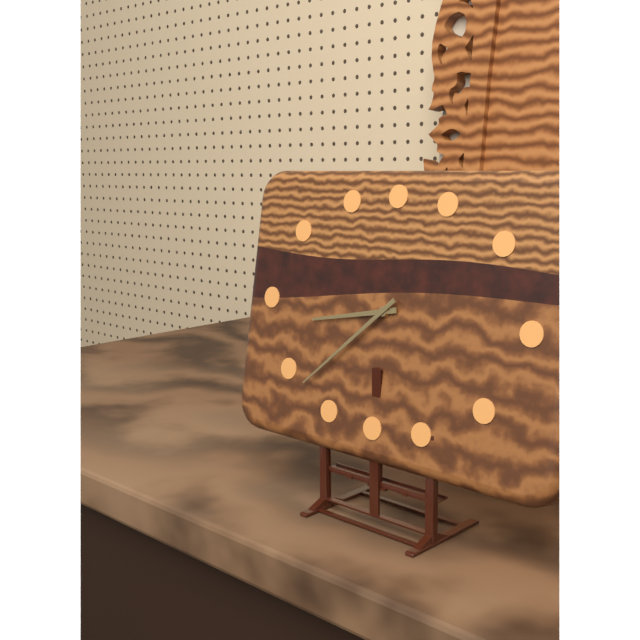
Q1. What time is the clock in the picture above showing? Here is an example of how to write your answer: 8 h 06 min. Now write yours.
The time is 8 h 38 min
